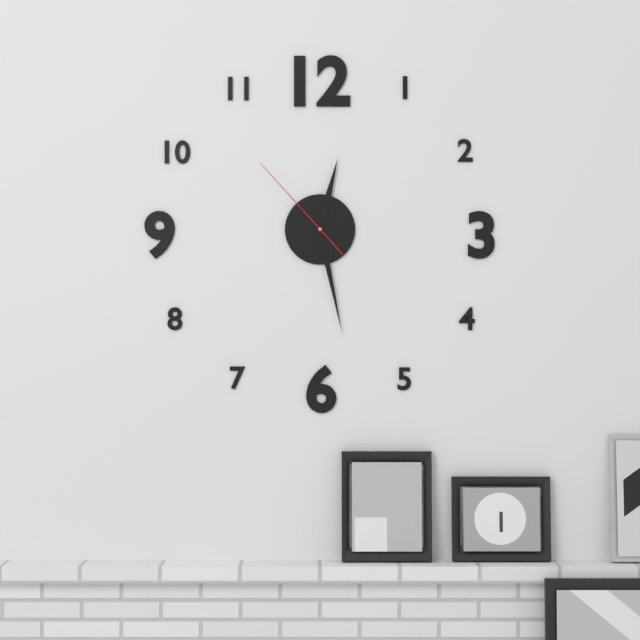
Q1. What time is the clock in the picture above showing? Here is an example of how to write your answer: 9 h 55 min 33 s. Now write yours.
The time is 12 h 28 min 53 s
